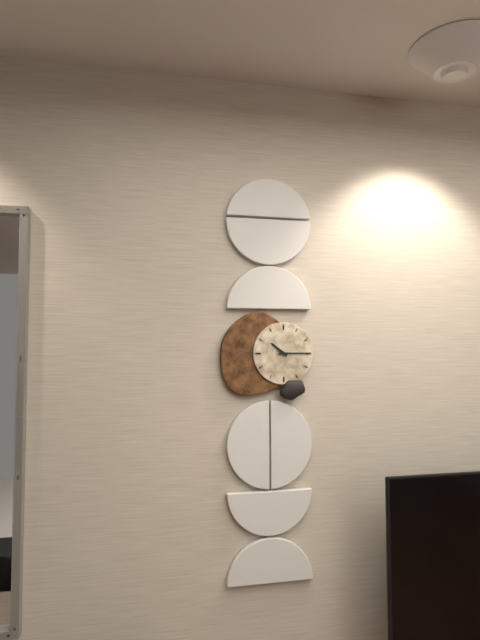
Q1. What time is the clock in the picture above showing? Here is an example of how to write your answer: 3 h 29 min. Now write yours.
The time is 10 h 15 min
